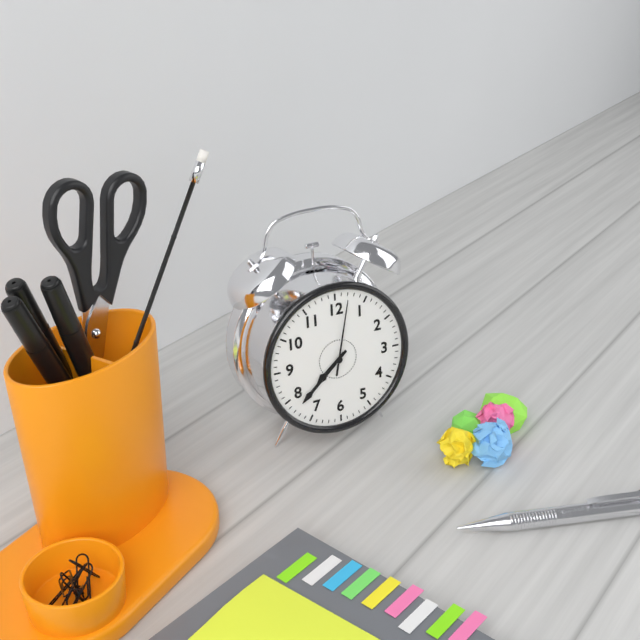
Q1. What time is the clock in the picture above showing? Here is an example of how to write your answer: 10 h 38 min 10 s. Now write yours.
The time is 7 h 38 min 02 s
